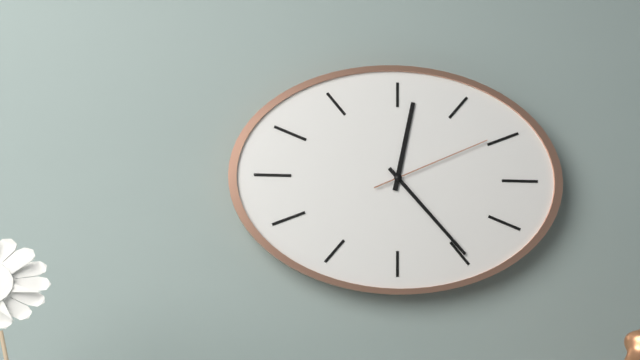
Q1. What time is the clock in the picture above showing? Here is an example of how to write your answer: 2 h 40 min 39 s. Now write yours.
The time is 12 h 23 min 11 s
